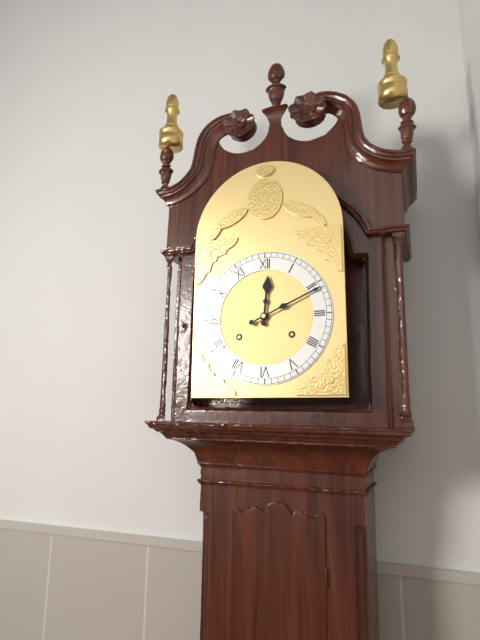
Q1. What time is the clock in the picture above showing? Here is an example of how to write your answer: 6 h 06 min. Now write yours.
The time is 12 h 11 min
